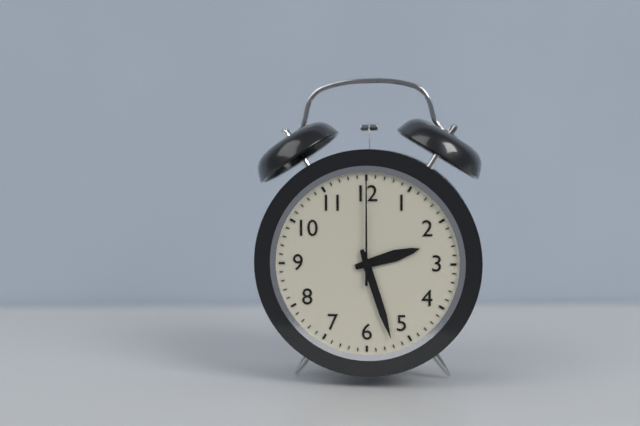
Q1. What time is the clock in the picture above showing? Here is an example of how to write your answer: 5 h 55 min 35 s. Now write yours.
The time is 2 h 27 min 00 s
